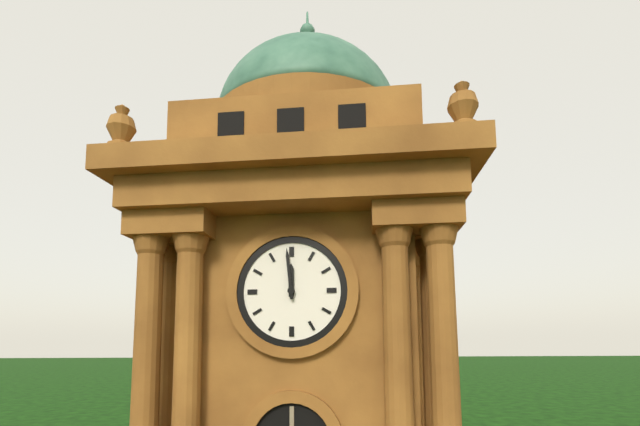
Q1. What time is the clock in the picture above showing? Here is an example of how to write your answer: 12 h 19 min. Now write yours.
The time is 11 h 59 min
